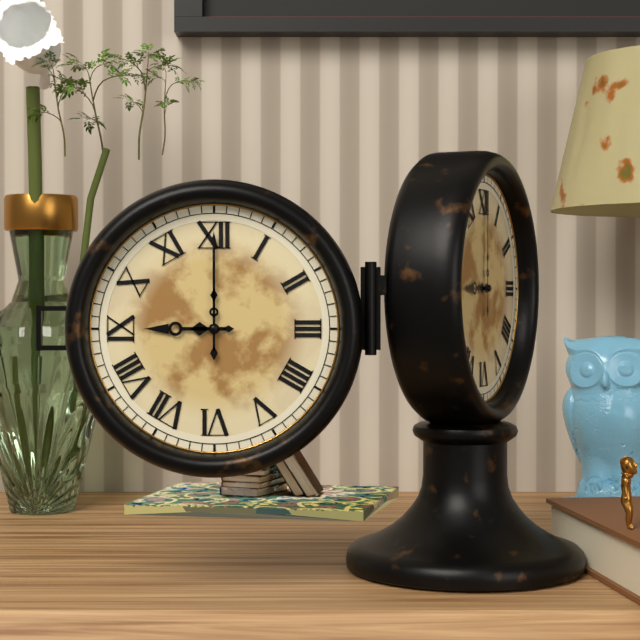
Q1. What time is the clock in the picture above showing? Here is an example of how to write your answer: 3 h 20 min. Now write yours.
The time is 9 h 00 min
